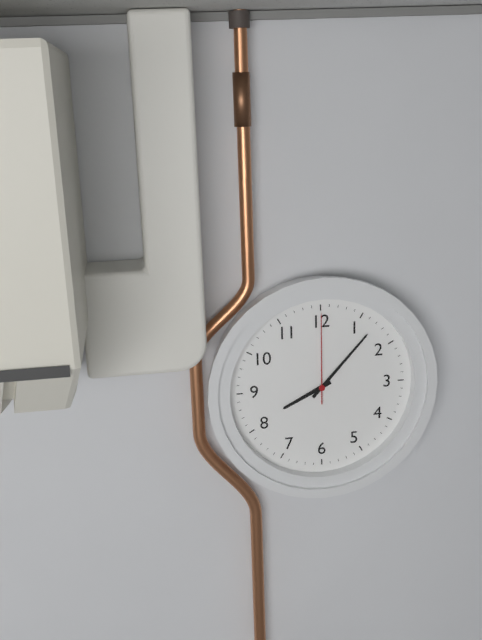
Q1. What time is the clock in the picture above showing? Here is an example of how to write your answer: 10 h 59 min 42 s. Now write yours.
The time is 8 h 07 min 00 s
